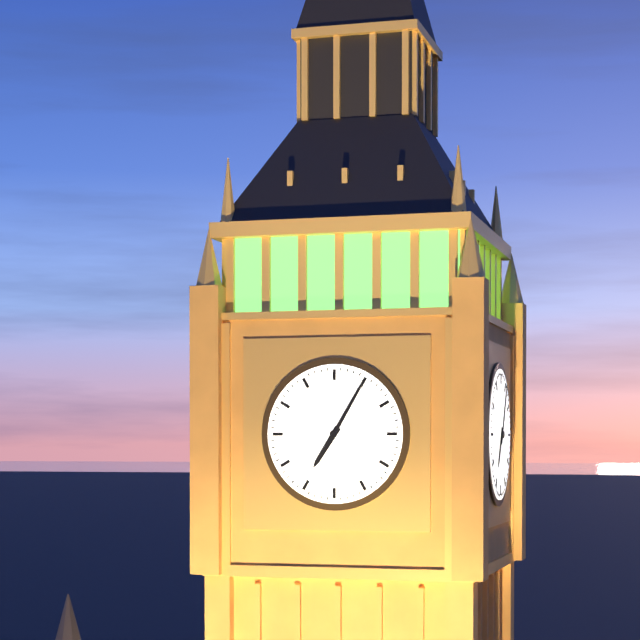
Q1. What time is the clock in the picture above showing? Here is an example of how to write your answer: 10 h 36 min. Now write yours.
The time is 7 h 05 min
